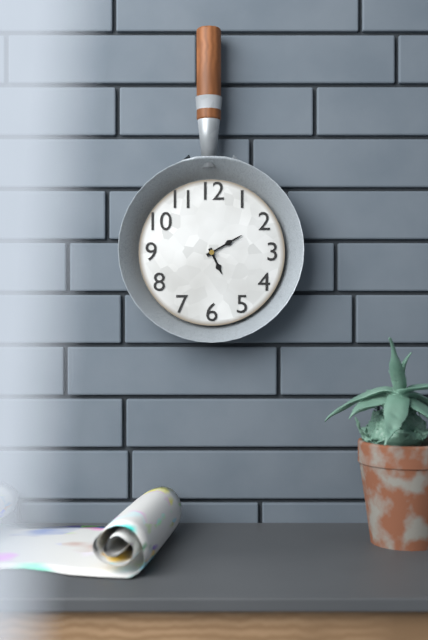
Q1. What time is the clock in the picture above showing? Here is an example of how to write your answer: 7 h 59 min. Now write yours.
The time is 5 h 10 min
